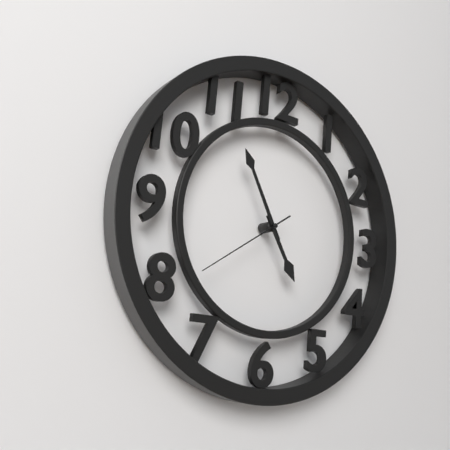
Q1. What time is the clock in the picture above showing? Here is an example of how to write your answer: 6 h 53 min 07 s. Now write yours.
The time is 4 h 55 min 39 s
